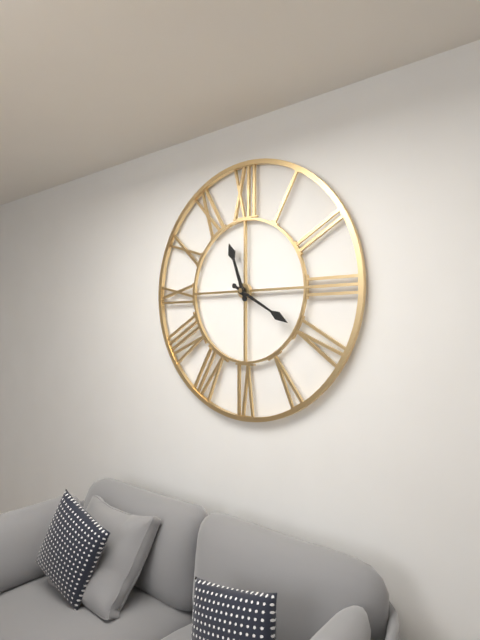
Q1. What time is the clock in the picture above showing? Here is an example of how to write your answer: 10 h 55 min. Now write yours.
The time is 11 h 20 min
